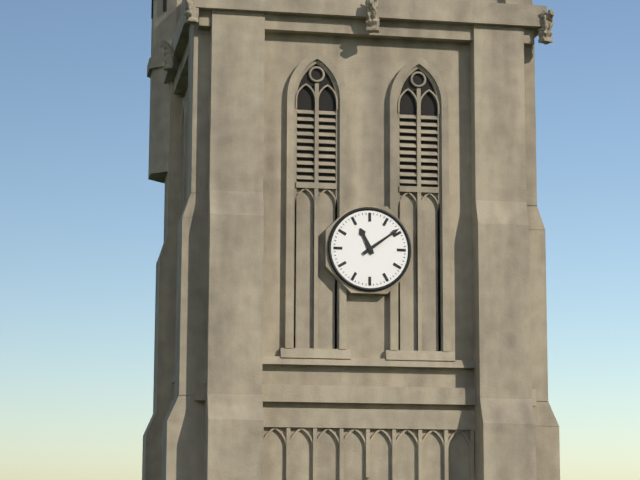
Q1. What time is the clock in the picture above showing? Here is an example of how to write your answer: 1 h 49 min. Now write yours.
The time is 11 h 09 min
